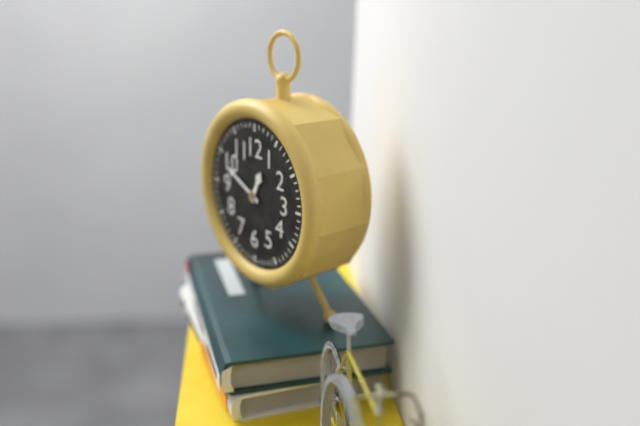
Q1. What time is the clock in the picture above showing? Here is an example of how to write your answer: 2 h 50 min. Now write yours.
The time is 12 h 49 min
